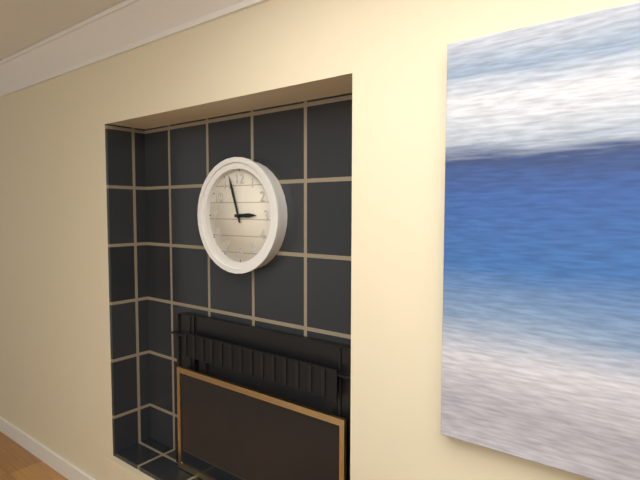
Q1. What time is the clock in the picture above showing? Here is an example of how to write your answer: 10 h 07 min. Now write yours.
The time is 2 h 57 min
